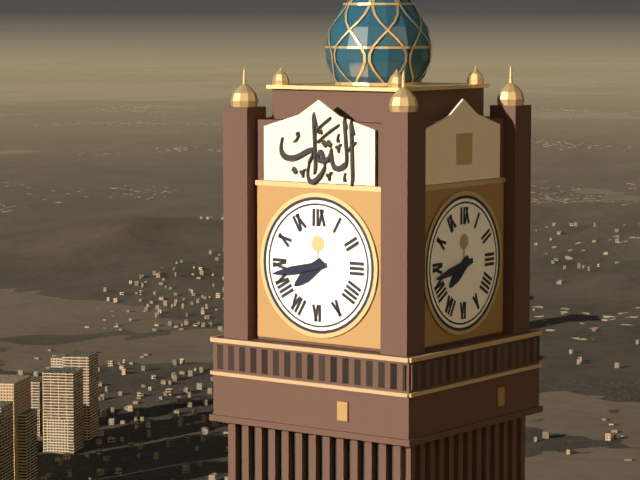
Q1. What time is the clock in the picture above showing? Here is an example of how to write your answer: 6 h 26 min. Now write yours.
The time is 7 h 43 min
